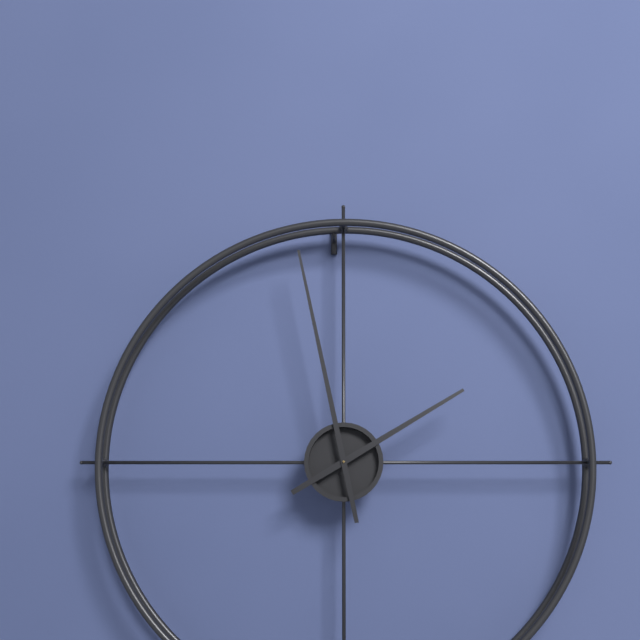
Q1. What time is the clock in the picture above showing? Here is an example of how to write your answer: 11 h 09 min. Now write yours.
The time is 1 h 58 min
